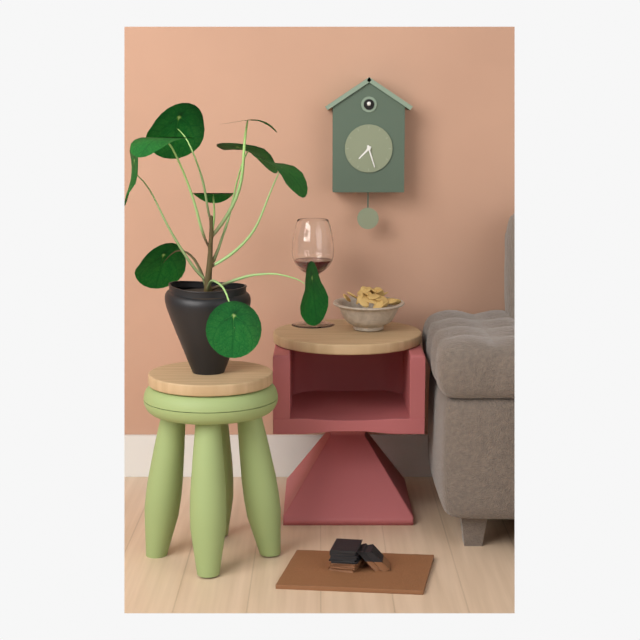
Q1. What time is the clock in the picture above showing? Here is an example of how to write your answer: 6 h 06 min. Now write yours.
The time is 7 h 27 min
